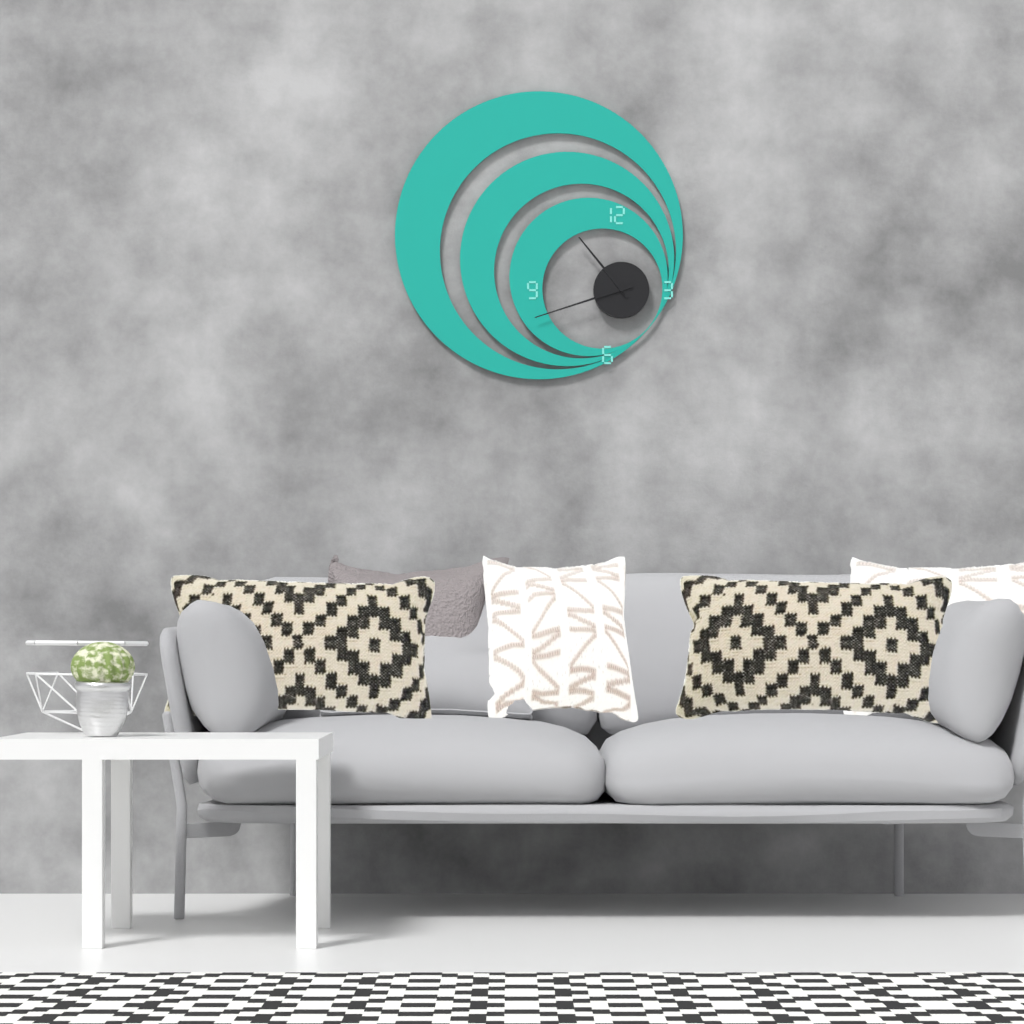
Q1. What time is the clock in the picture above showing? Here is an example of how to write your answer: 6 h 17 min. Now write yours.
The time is 10 h 42 min
